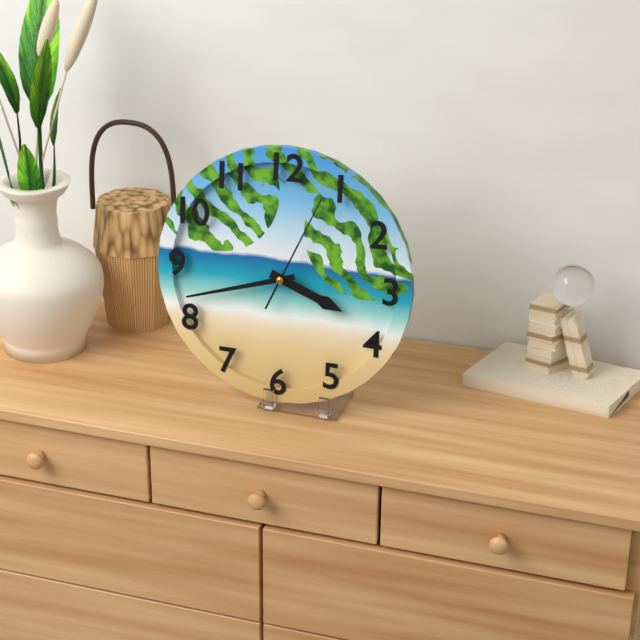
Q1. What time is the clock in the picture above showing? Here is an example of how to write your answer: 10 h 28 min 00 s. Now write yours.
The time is 3 h 42 min 04 s
